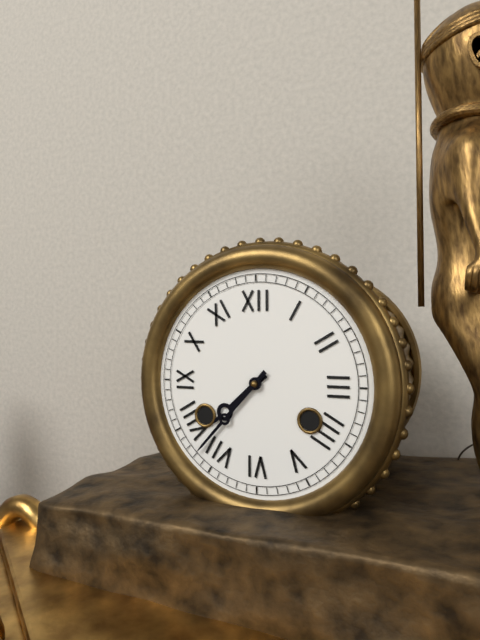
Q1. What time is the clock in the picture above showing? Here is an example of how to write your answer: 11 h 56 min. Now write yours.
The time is 7 h 37 min
